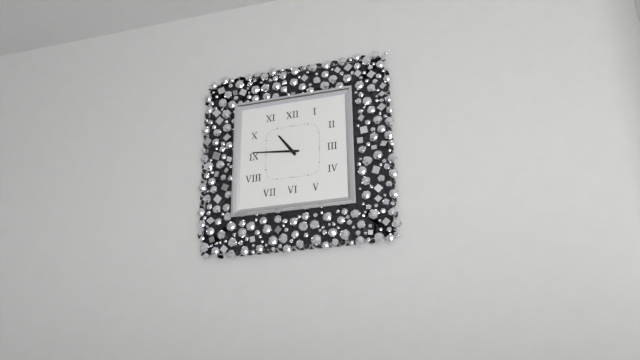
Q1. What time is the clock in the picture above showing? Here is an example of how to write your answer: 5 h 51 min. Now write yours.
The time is 10 h 46 min
